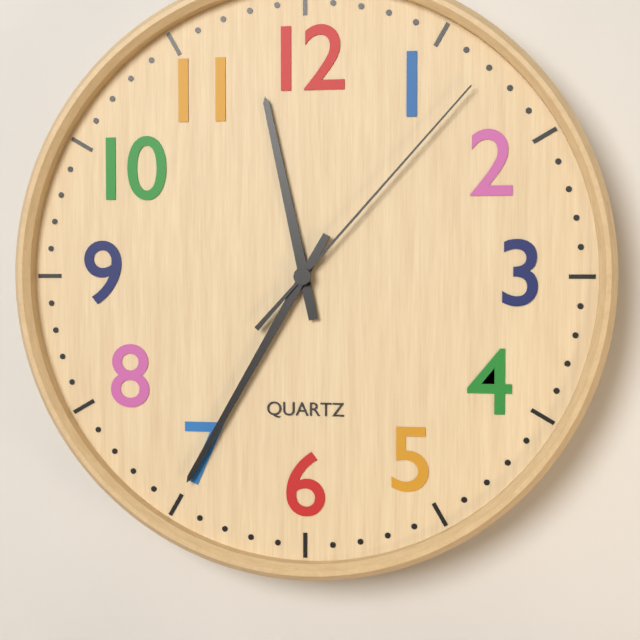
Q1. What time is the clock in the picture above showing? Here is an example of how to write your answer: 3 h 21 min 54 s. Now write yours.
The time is 11 h 35 min 07 s
